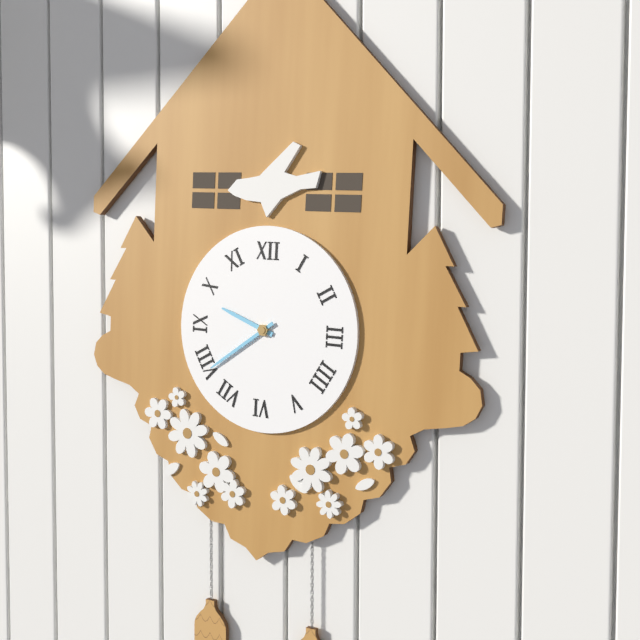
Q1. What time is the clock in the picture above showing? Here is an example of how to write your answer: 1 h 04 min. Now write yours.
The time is 9 h 39 min
